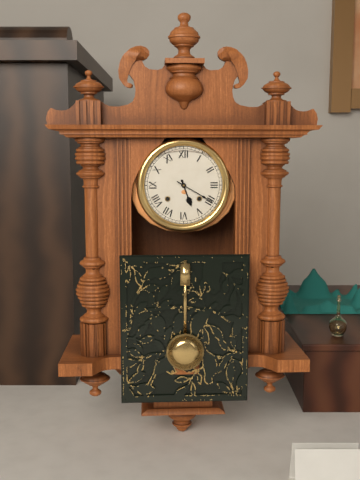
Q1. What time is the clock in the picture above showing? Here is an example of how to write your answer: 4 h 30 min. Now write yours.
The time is 5 h 20 min
